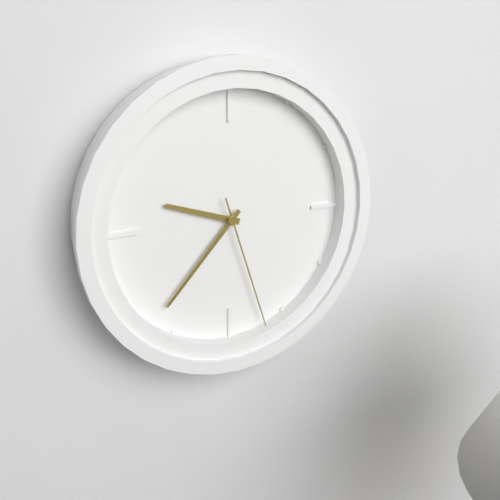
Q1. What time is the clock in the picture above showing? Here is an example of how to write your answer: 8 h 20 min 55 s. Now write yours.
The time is 9 h 37 min 27 s
